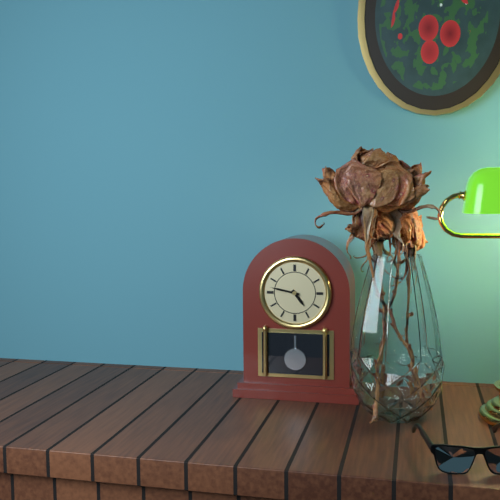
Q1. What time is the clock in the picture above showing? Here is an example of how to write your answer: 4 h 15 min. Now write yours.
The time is 4 h 47 min
